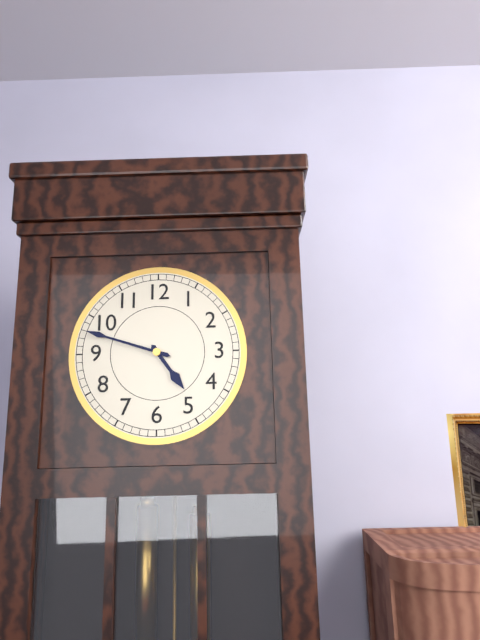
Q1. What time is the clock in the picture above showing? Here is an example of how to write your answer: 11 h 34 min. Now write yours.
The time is 4 h 48 min
